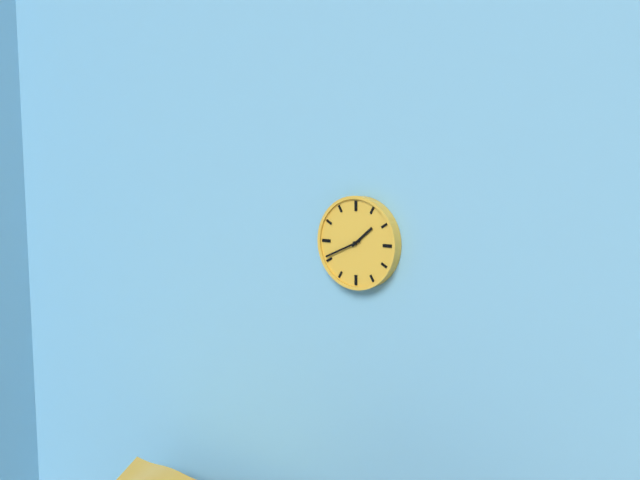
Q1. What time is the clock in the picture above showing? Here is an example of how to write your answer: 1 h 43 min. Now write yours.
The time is 1 h 41 min
